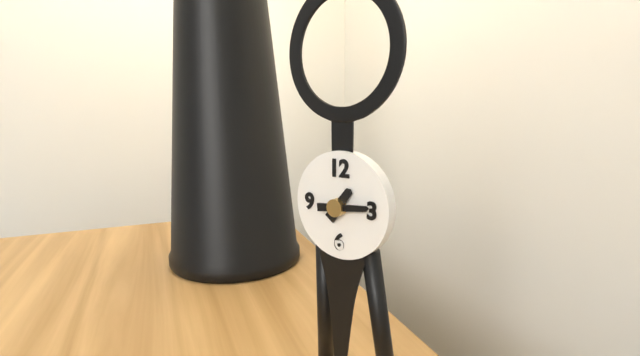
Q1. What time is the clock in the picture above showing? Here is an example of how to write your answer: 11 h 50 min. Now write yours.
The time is 1 h 14 min
